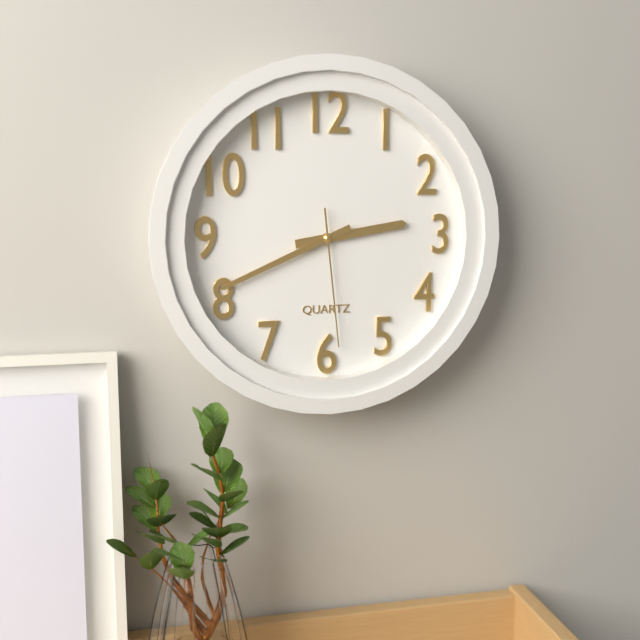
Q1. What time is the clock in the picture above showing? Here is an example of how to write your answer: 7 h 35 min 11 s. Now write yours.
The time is 2 h 41 min 29 s
